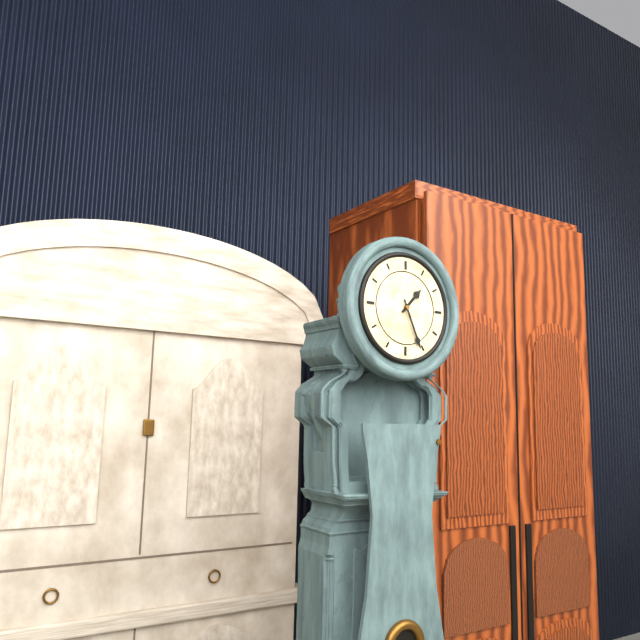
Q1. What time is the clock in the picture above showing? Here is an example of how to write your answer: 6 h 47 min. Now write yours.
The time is 1 h 26 min
